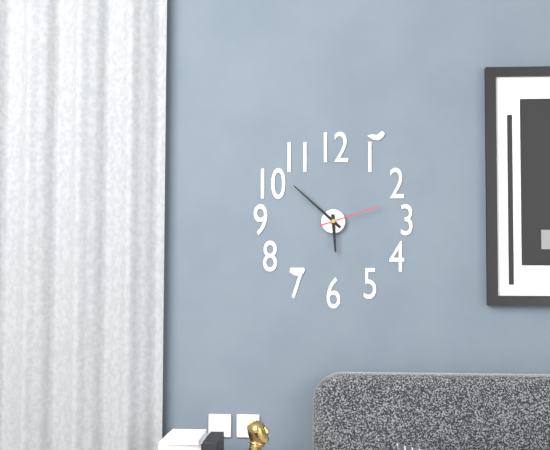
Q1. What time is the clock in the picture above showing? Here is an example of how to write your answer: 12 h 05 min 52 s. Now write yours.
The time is 5 h 52 min 12 s
